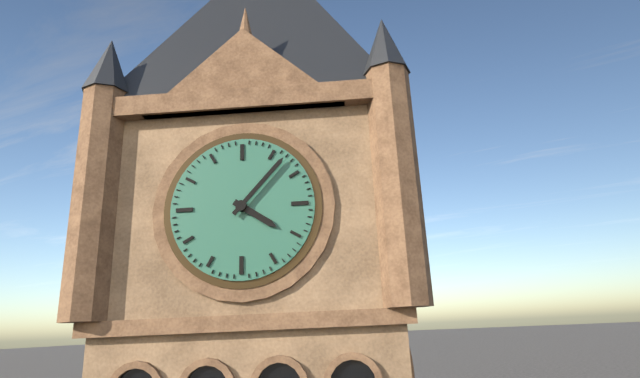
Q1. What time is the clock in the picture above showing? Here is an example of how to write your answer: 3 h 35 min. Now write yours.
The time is 4 h 07 min
